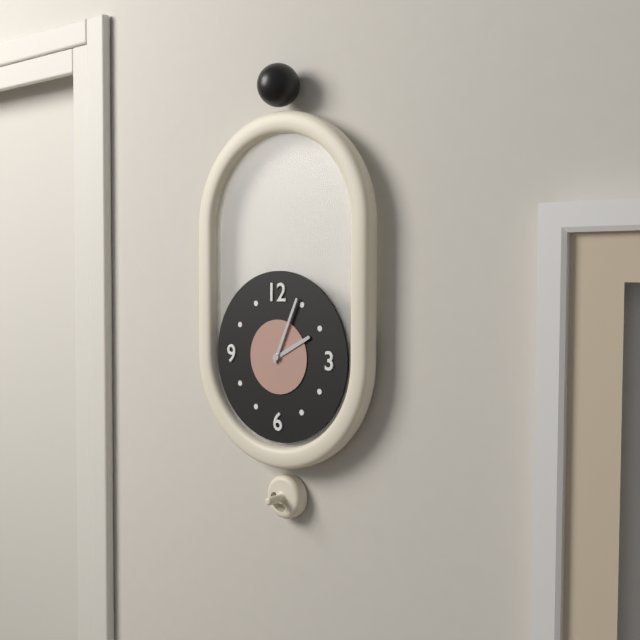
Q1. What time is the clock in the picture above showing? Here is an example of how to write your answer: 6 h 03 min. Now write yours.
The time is 2 h 04 min
